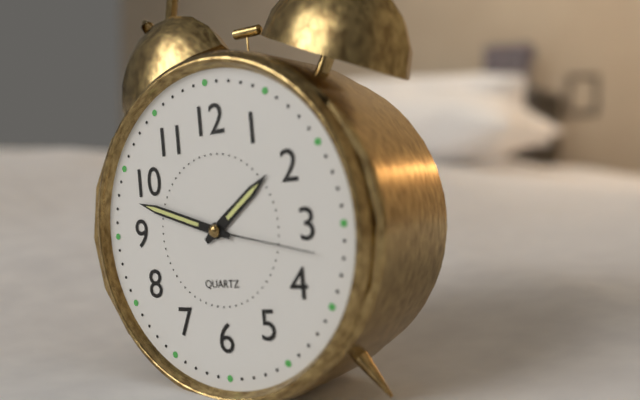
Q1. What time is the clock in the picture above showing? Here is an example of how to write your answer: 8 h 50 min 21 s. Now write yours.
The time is 1 h 48 min 17 s
